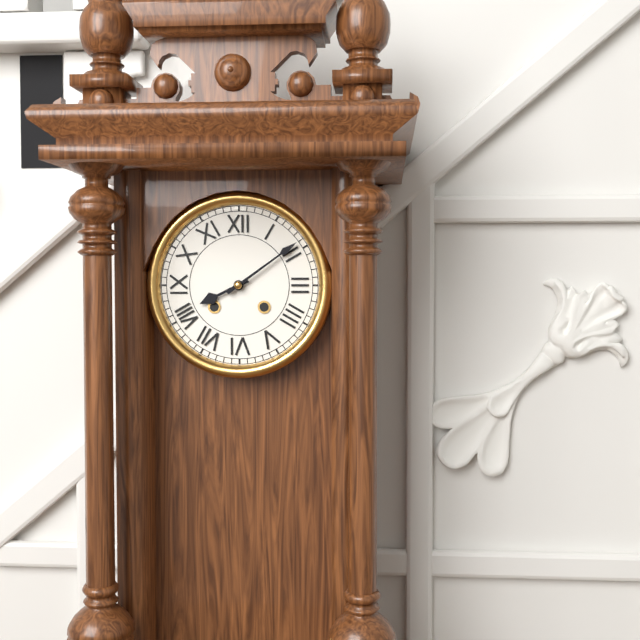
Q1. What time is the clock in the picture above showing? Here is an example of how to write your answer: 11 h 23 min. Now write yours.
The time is 8 h 09 min
